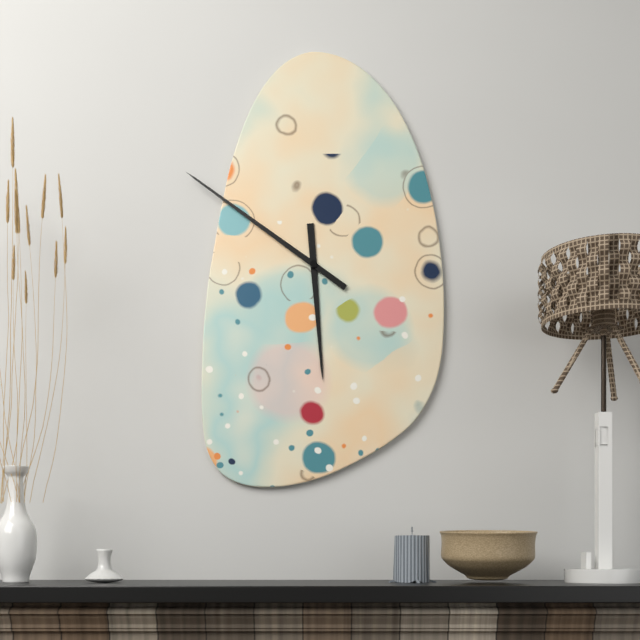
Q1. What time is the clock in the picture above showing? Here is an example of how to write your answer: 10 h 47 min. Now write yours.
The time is 5 h 51 min
